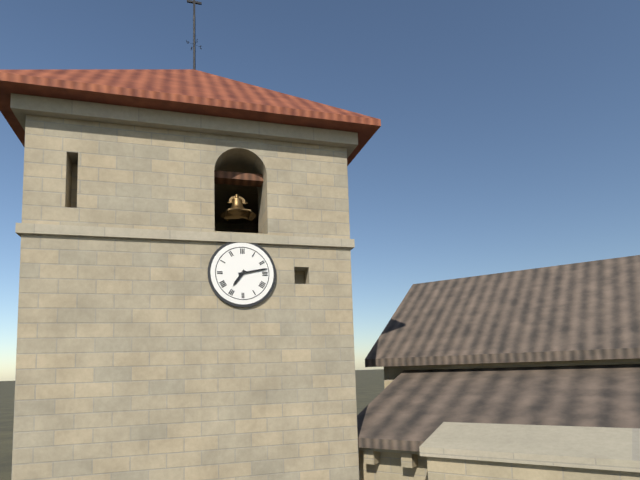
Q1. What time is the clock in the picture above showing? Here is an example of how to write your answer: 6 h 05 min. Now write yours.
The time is 7 h 13 min
